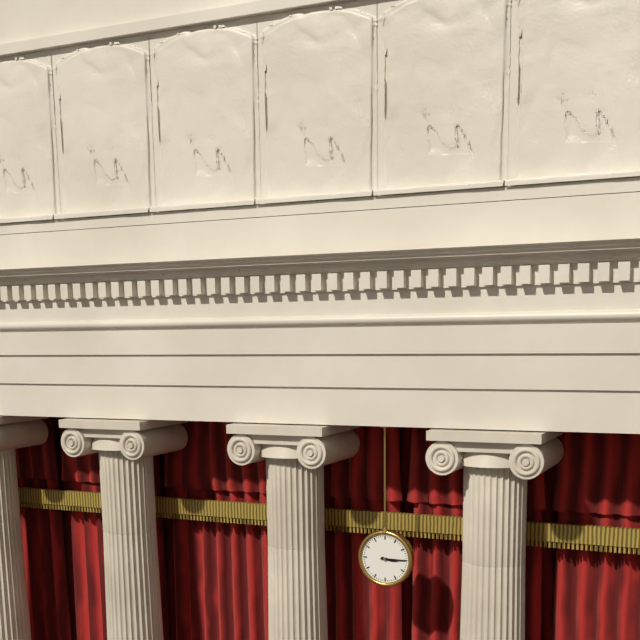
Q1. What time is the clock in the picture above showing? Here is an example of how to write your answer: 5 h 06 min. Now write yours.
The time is 3 h 15 min
